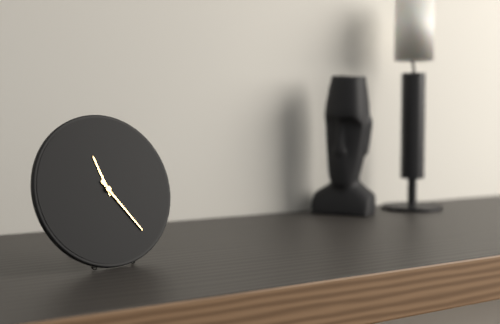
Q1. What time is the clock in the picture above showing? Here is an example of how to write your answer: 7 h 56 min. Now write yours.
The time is 11 h 24 min
